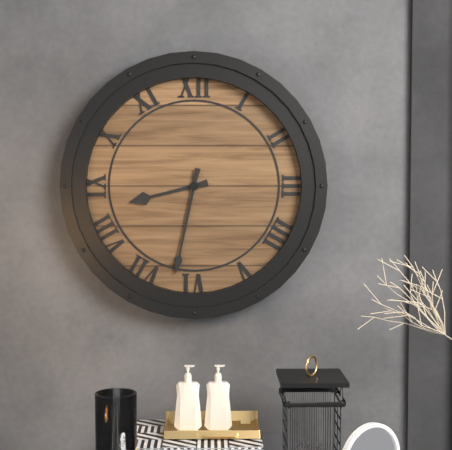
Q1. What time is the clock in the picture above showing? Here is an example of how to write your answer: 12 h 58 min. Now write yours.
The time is 8 h 32 min
